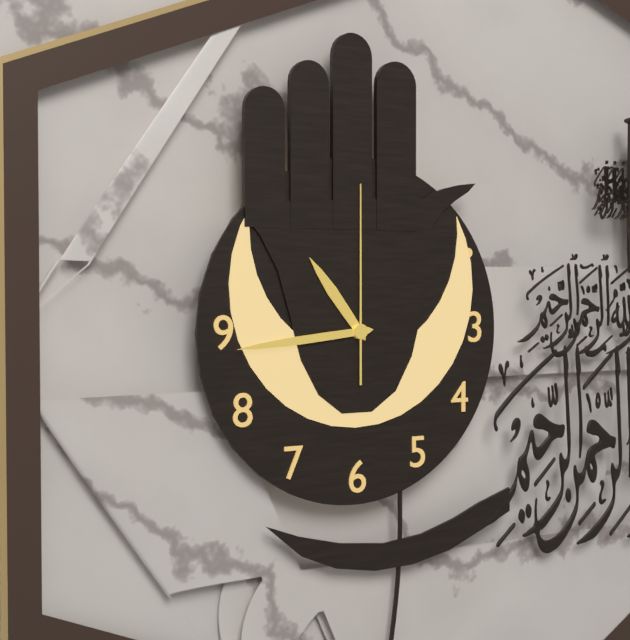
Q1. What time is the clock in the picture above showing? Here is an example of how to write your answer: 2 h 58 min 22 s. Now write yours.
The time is 10 h 44 min 00 s
